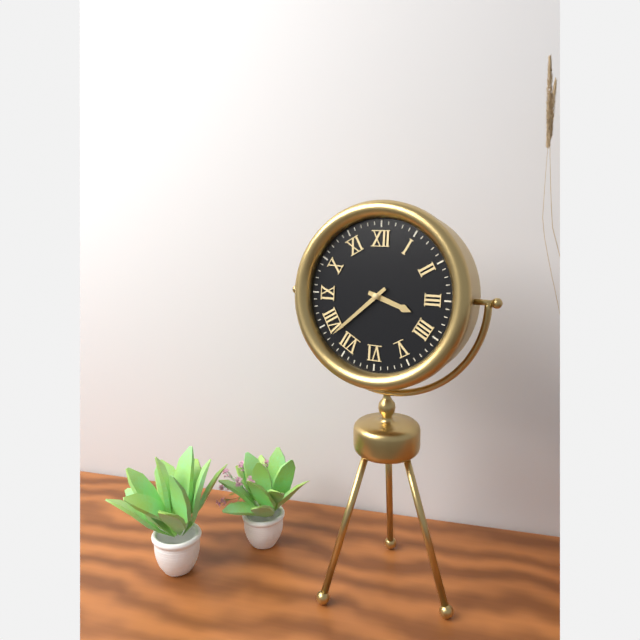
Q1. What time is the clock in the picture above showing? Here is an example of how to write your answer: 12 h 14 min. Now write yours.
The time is 3 h 38 min
